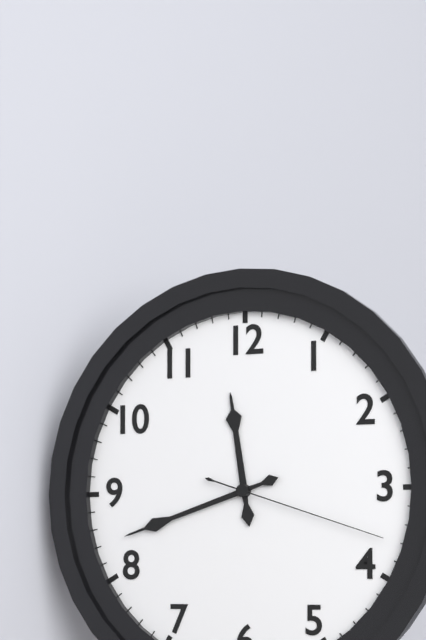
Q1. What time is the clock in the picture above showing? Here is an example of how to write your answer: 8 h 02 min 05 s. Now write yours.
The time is 11 h 42 min 18 s
